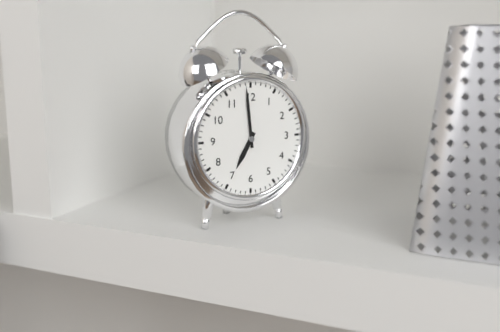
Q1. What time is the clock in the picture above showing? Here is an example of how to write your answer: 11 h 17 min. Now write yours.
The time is 6 h 59 min
